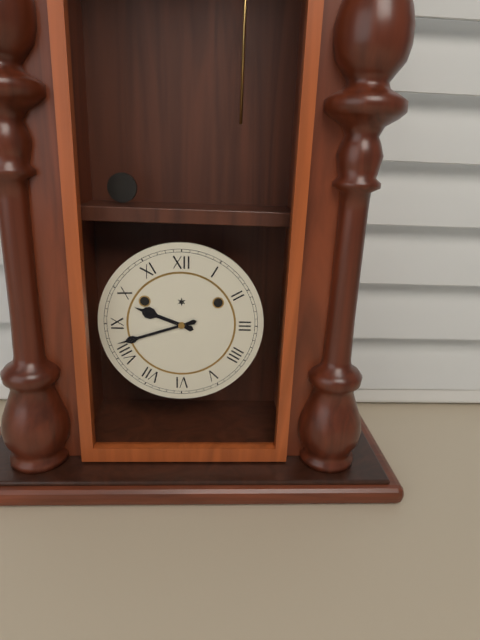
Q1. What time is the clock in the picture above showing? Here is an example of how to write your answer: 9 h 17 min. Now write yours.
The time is 9 h 42 min
